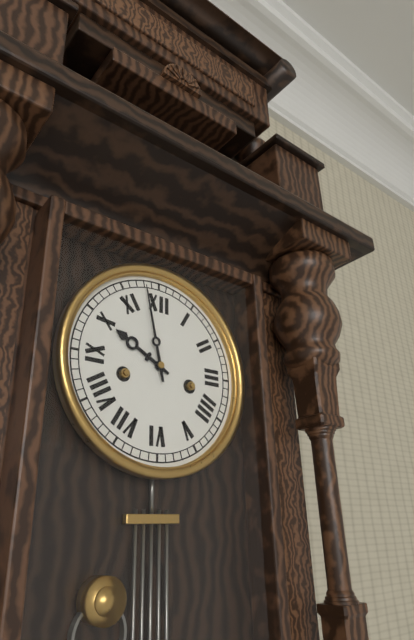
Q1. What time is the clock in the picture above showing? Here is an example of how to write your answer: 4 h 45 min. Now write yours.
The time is 9 h 58 min
